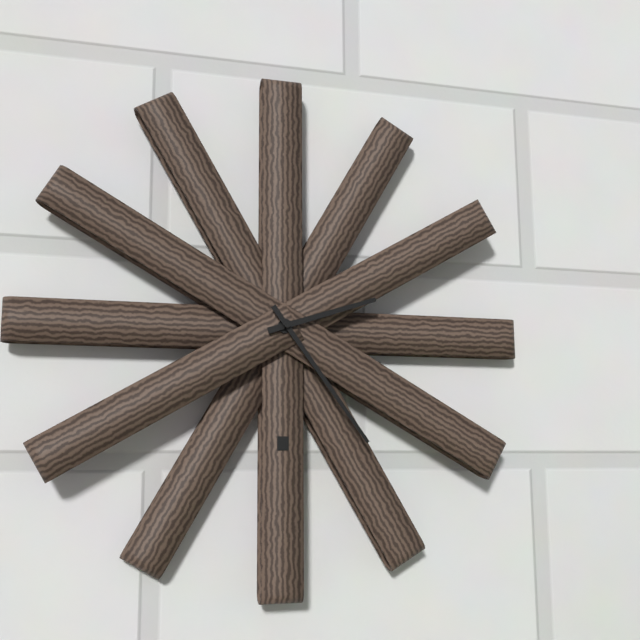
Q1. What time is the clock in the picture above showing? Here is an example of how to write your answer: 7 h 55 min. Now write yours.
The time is 2 h 24 min
